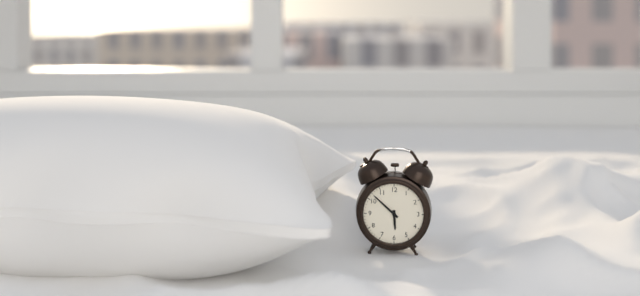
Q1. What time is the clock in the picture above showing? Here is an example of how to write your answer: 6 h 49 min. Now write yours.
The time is 5 h 52 min
